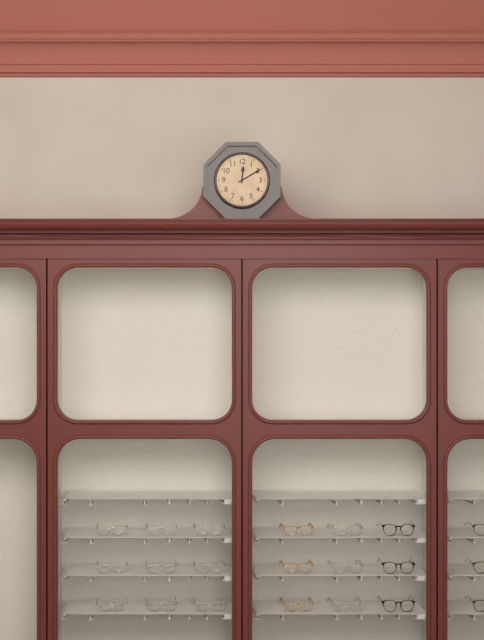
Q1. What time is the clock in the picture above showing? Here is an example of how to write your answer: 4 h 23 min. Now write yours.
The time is 12 h 10 min
